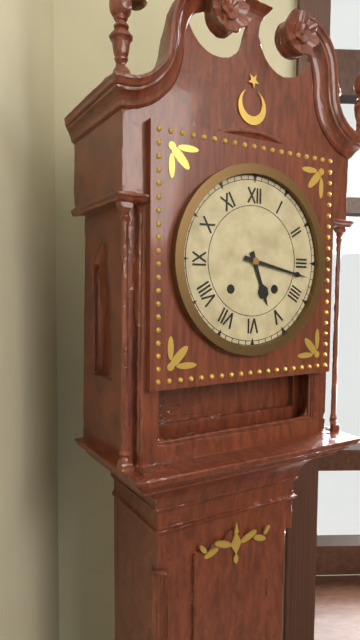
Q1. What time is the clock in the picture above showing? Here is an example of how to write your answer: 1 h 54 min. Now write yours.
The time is 5 h 17 min
